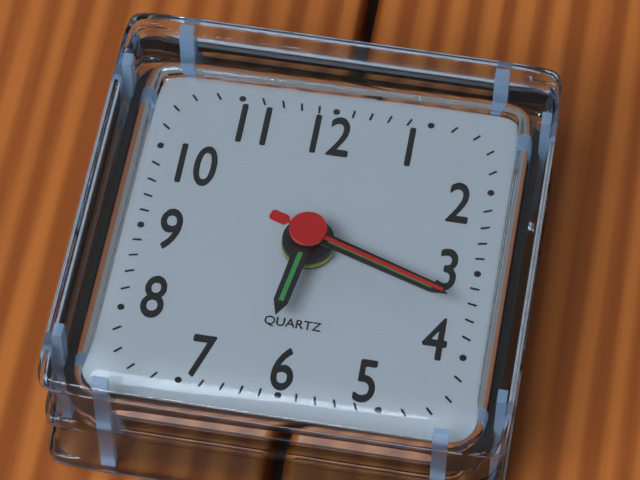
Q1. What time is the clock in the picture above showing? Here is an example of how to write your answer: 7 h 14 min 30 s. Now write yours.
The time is 6 h 18 min 18 s
